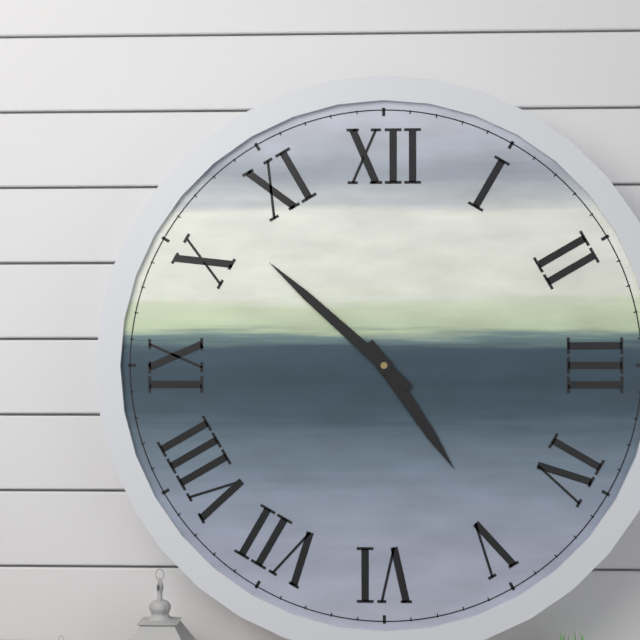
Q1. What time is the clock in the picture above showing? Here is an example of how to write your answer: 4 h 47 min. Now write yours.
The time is 4 h 52 min
